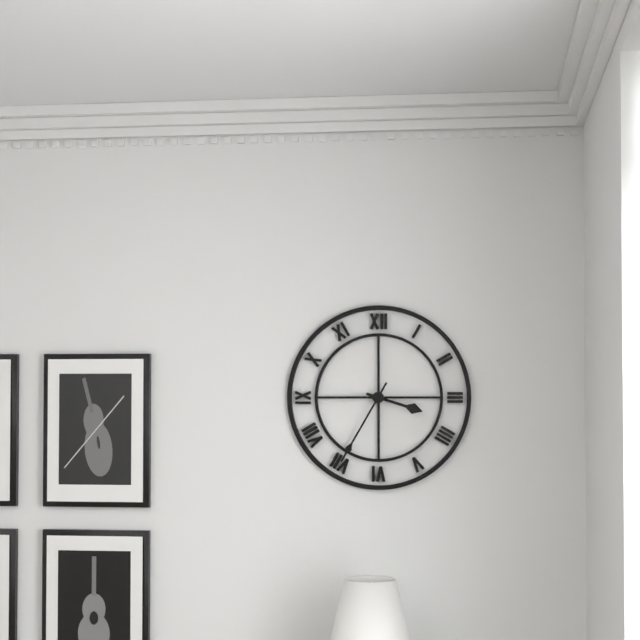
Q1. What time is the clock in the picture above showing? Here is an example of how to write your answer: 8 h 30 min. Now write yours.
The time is 3 h 35 min
